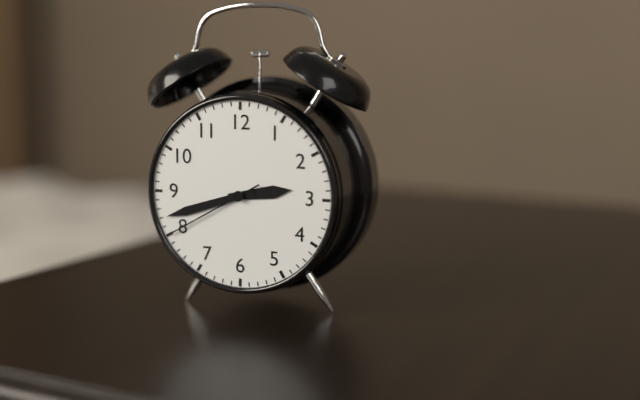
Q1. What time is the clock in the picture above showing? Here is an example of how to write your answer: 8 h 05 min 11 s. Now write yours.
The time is 2 h 42 min 40 s
